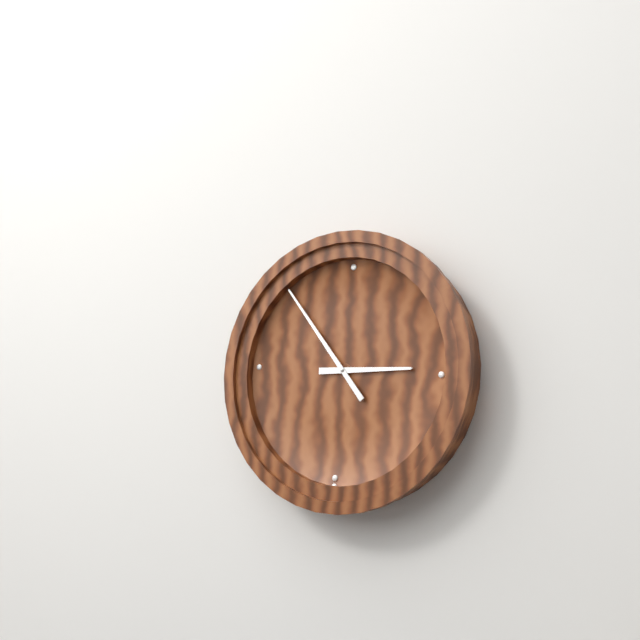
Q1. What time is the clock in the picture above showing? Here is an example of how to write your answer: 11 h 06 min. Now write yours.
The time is 2 h 53 min
